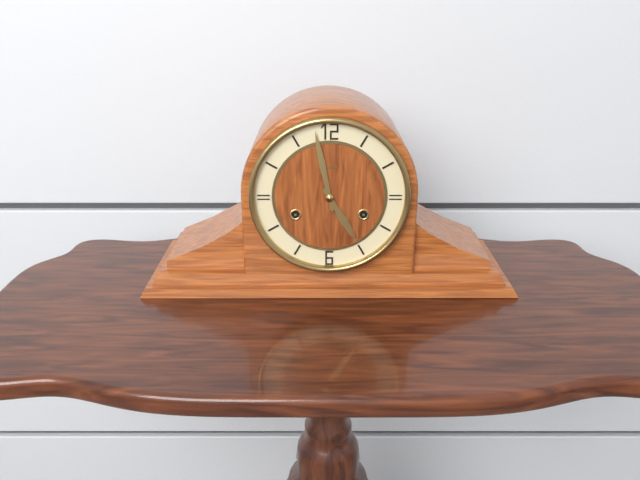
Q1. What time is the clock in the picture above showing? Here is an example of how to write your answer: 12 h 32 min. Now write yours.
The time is 4 h 58 min
